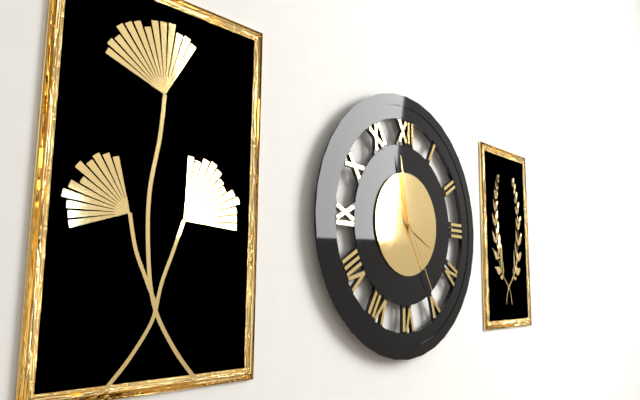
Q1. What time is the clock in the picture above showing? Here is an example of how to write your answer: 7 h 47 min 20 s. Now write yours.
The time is 3 h 58 min 25 s
